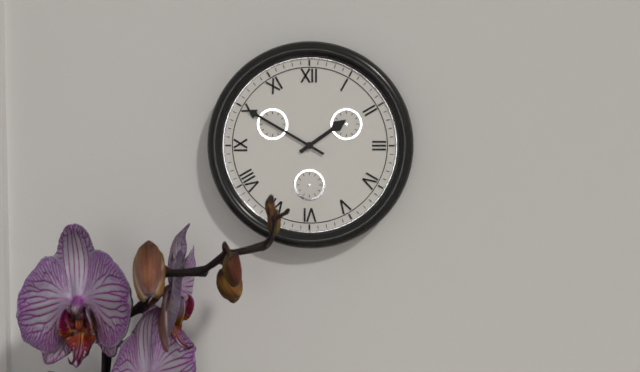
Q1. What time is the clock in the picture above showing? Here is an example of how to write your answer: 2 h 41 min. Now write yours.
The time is 1 h 50 min
